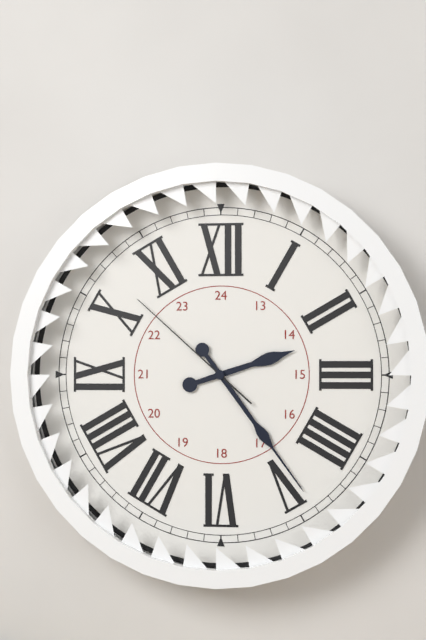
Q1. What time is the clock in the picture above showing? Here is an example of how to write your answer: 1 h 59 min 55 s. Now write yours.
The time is 2 h 24 min 52 s
